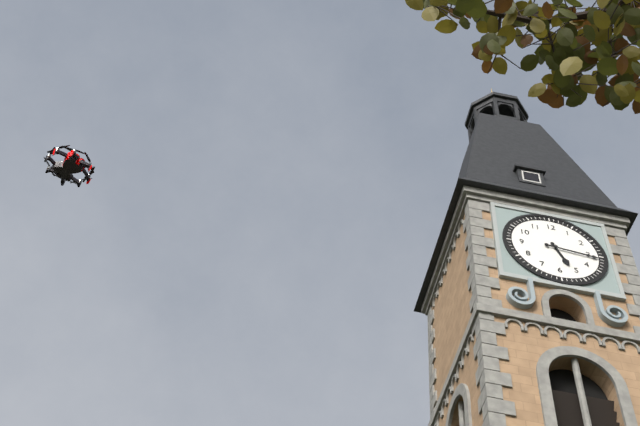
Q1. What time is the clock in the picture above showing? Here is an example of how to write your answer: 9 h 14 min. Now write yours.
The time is 5 h 16 min
